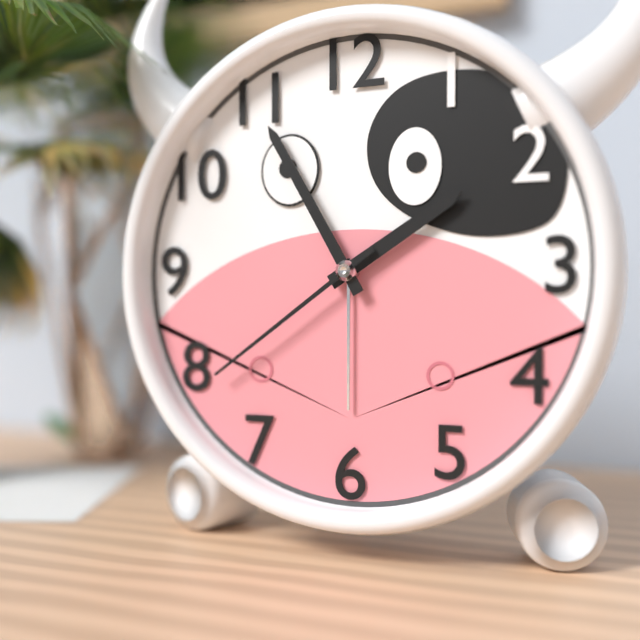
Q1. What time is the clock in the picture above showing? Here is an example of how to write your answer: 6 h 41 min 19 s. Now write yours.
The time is 1 h 55 min 39 s
